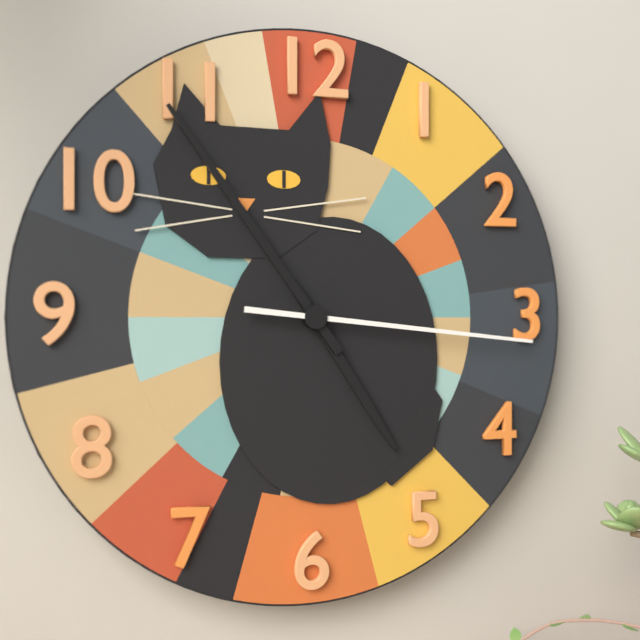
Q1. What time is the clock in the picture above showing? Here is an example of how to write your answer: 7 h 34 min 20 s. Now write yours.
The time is 4 h 54 min 16 s
